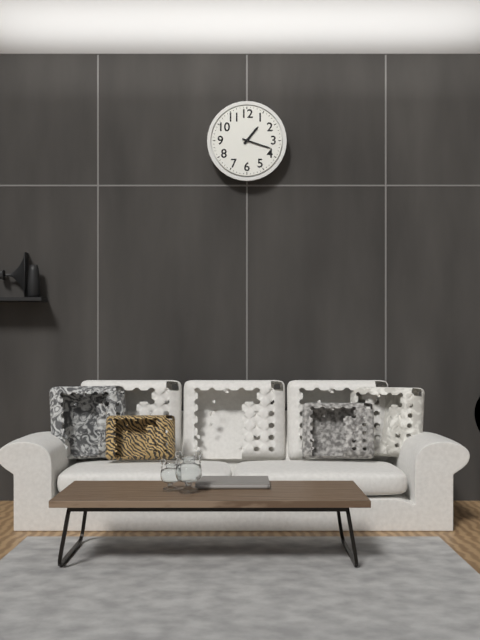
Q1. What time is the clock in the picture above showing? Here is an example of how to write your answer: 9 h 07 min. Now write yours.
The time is 1 h 18 min
